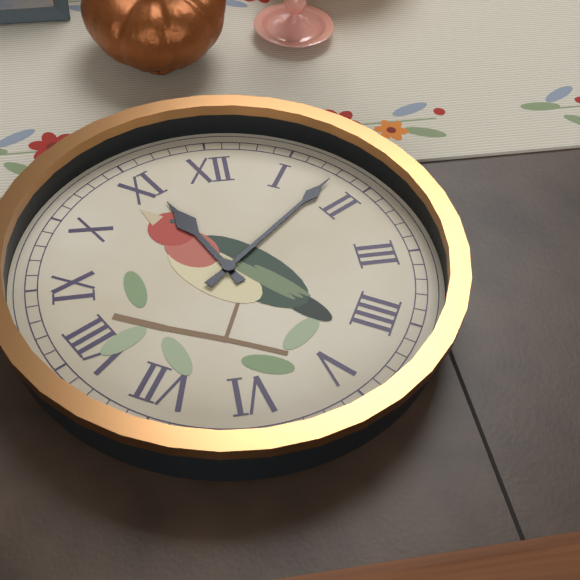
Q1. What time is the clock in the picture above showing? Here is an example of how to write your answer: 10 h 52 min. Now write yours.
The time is 11 h 08 min
